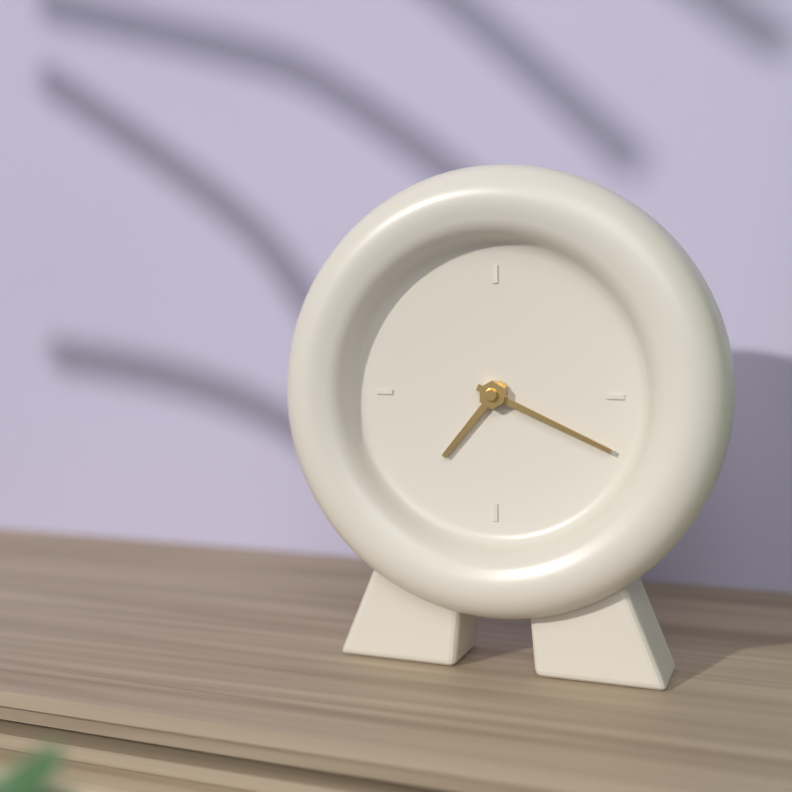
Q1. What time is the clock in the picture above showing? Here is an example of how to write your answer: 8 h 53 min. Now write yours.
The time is 7 h 19 min
